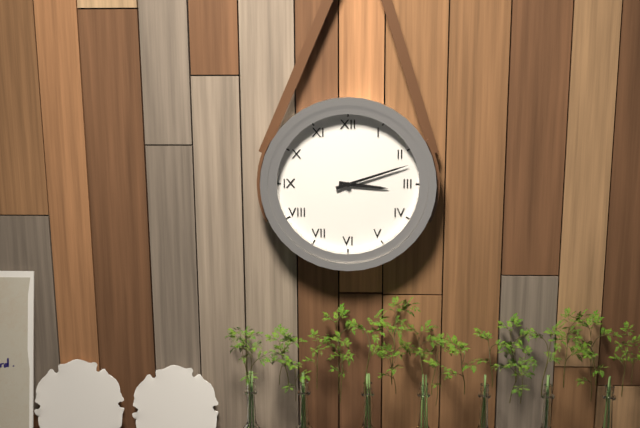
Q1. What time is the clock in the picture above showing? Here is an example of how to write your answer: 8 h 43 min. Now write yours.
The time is 3 h 12 min
